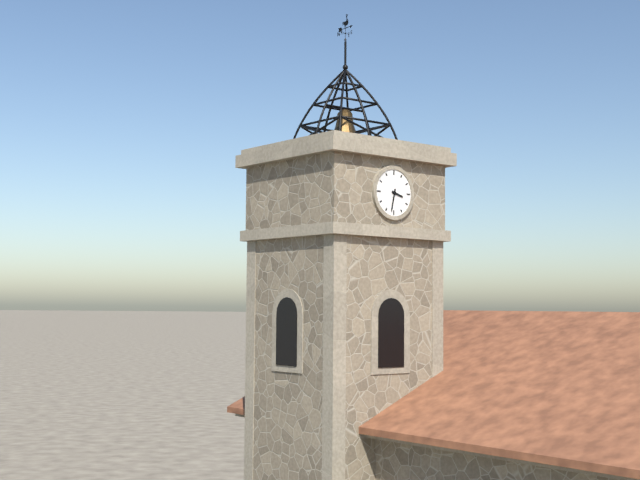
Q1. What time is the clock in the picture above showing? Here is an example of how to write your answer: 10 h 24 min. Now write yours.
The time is 3 h 32 min
